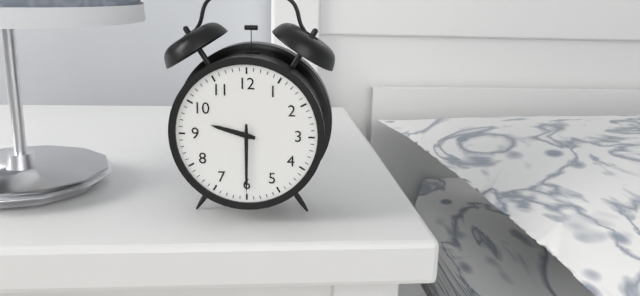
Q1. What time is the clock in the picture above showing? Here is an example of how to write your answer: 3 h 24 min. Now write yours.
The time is 9 h 30 min
